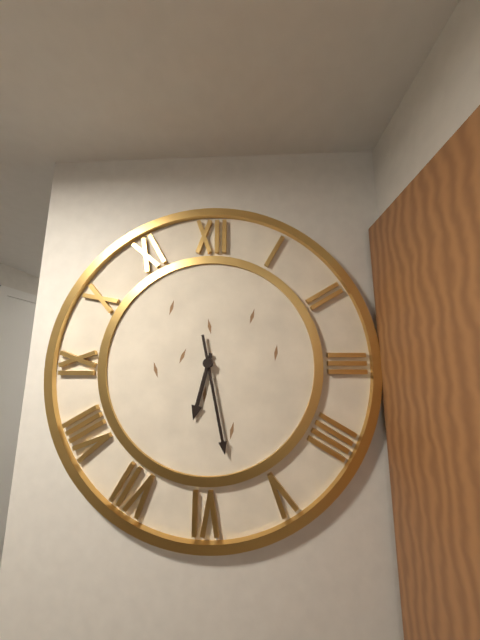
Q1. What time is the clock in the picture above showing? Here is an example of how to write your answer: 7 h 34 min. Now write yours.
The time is 6 h 28 min
